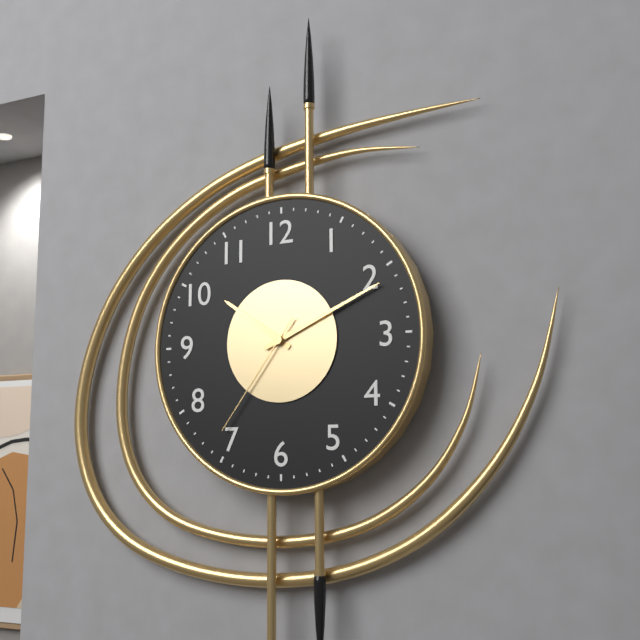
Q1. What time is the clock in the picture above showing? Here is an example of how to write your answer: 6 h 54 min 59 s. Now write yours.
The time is 10 h 11 min 36 s
